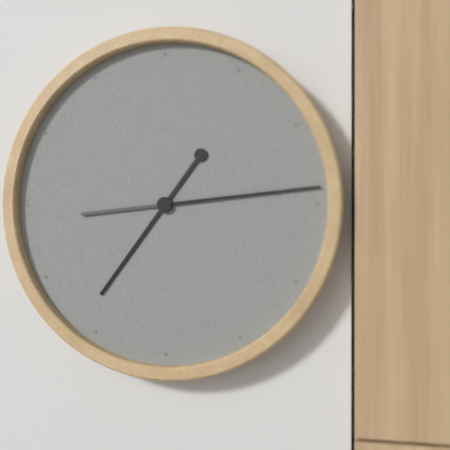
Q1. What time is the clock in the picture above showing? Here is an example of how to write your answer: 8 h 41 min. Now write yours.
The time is 7 h 14 min
